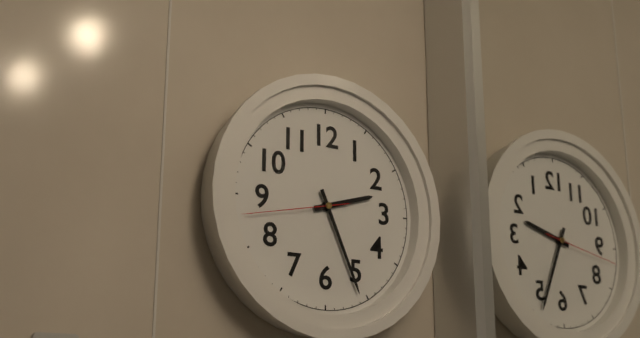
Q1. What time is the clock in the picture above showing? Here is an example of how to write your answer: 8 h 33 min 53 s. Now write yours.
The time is 2 h 26 min 43 s
